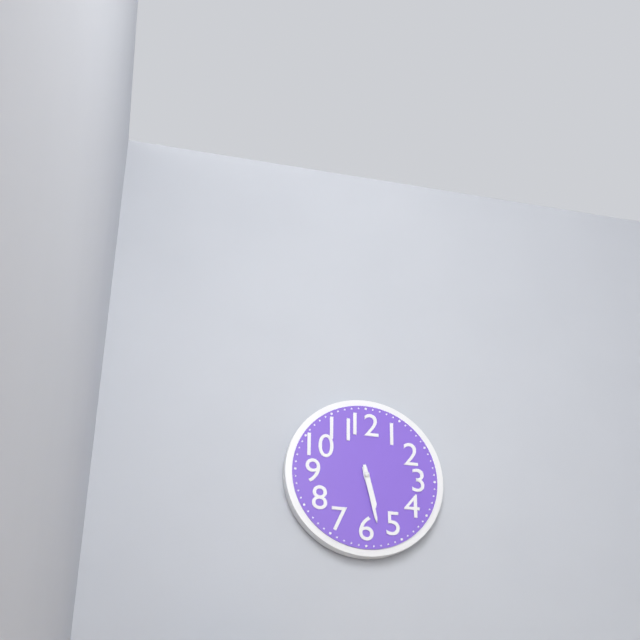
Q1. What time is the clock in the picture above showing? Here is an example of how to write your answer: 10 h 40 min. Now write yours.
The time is 5 h 28 min
